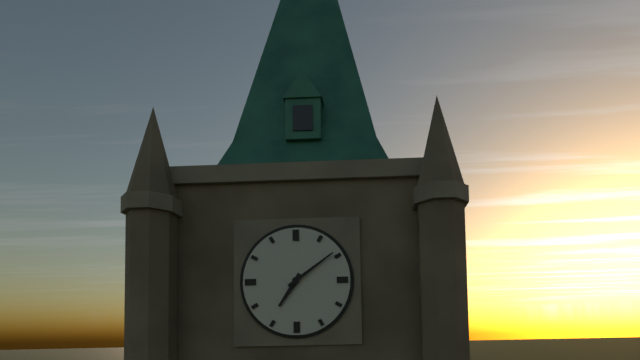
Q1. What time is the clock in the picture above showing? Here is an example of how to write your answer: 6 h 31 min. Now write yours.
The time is 7 h 09 min
